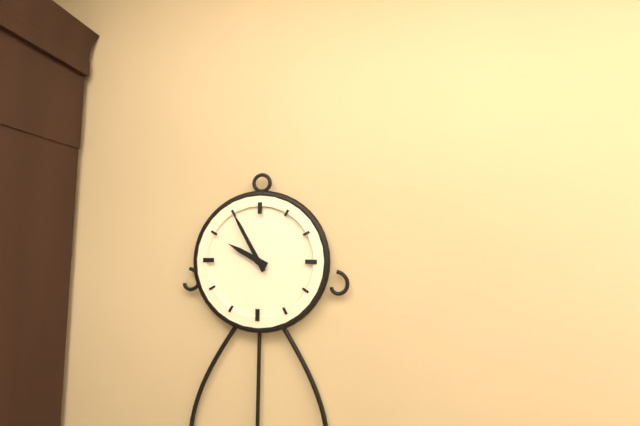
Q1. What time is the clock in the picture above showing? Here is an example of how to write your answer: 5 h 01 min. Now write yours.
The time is 9 h 55 min
